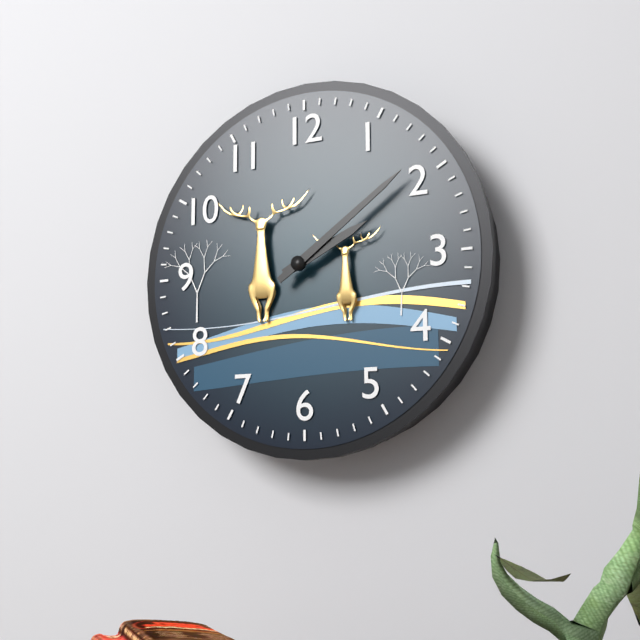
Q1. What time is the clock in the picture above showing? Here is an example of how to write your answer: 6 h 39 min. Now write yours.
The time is 2 h 09 min
